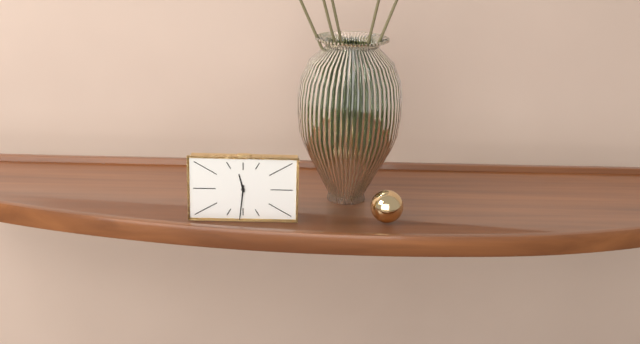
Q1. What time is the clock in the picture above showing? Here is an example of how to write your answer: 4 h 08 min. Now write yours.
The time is 11 h 31 min
